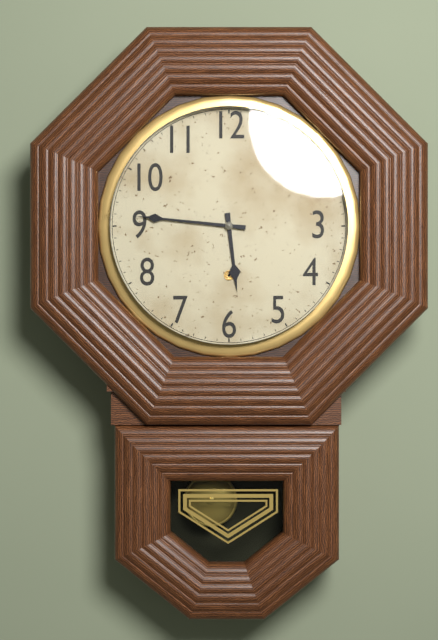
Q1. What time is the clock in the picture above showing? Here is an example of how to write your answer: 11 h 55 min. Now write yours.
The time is 5 h 46 min
